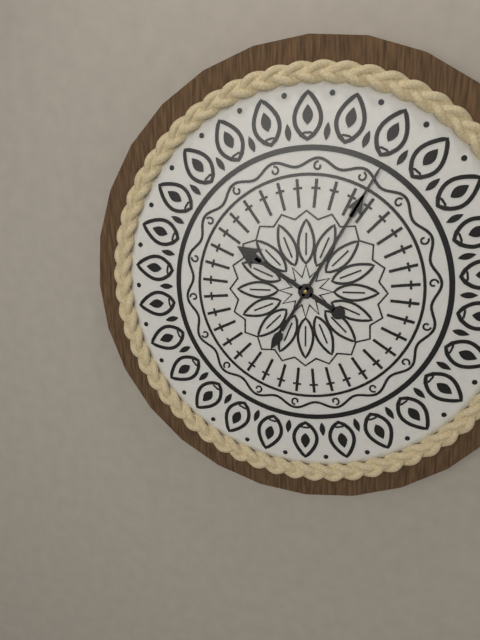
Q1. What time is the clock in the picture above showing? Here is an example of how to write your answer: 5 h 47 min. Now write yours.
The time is 10 h 05 min
